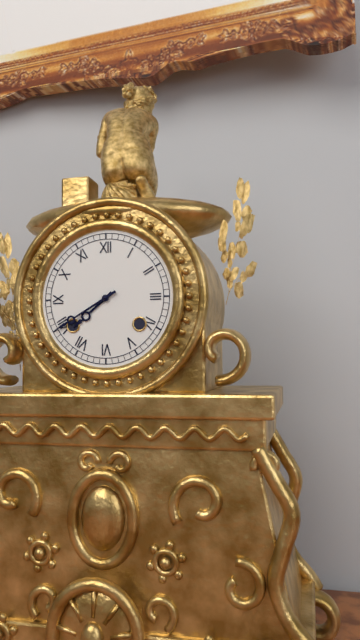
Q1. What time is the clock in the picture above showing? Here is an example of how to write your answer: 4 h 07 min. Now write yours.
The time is 7 h 40 min
